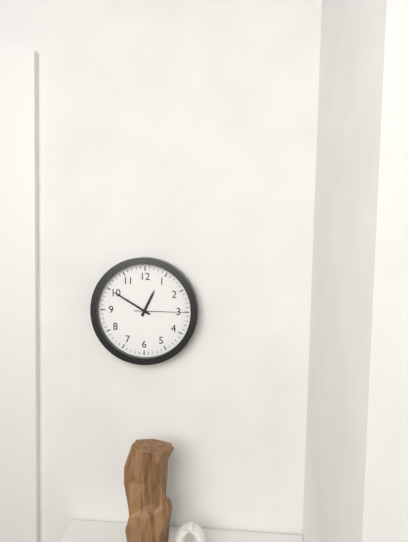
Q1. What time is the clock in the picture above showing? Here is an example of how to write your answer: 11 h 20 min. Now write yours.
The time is 12 h 50 min
